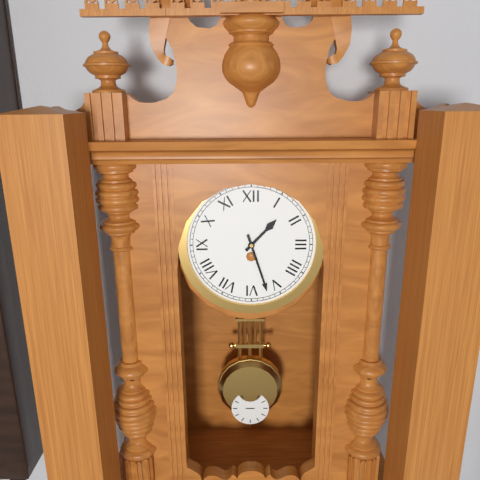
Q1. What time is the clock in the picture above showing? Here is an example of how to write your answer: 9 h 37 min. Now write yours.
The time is 1 h 27 min
